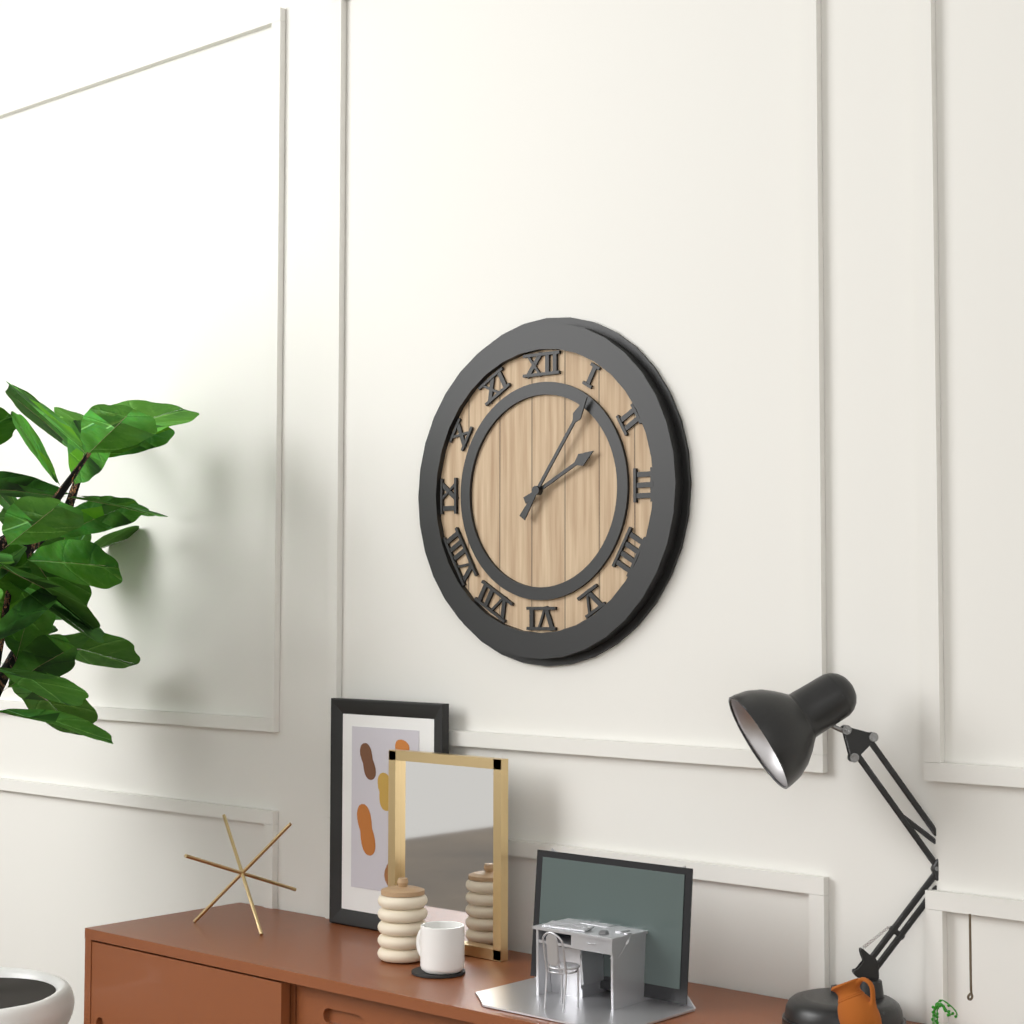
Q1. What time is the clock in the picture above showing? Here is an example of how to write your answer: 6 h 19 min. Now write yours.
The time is 2 h 06 min
